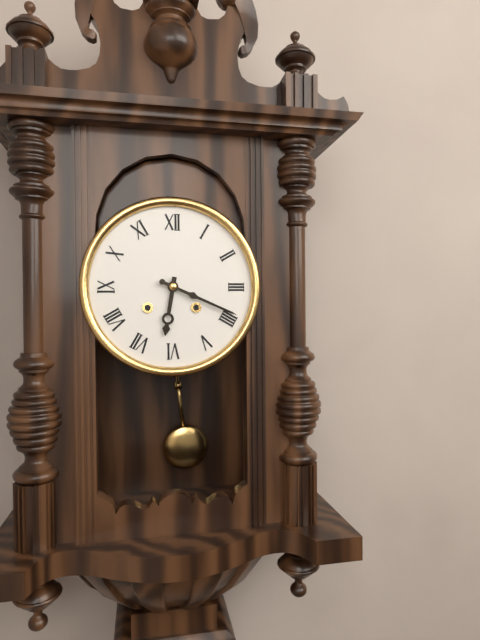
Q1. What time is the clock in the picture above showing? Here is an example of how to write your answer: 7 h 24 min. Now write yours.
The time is 6 h 19 min
